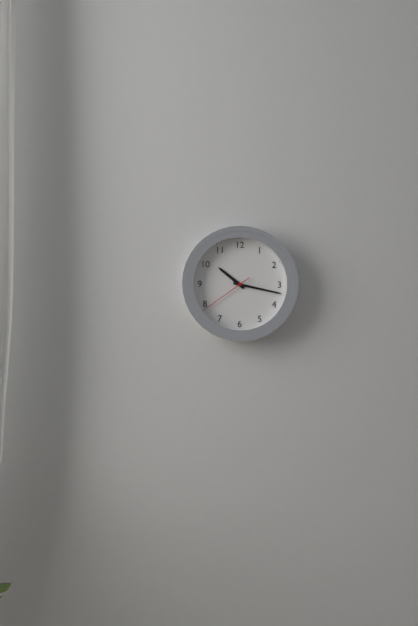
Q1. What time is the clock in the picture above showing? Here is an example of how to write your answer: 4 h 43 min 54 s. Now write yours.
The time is 10 h 17 min 39 s
